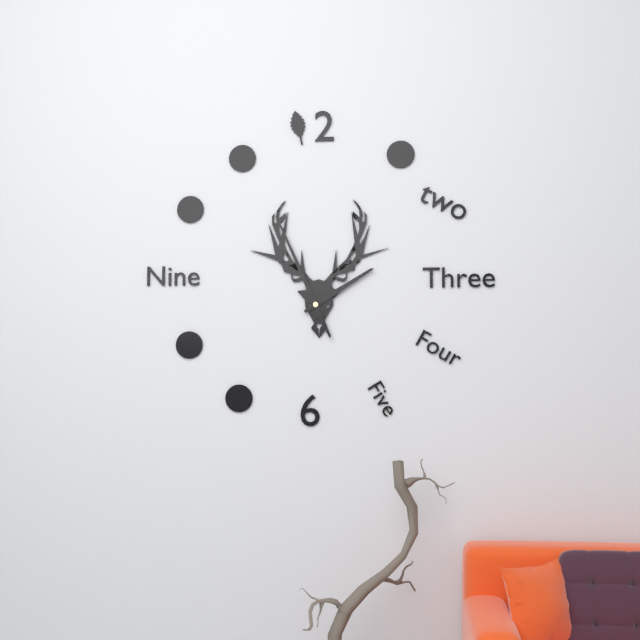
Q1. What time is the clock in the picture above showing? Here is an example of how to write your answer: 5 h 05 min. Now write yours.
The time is 1 h 56 min
